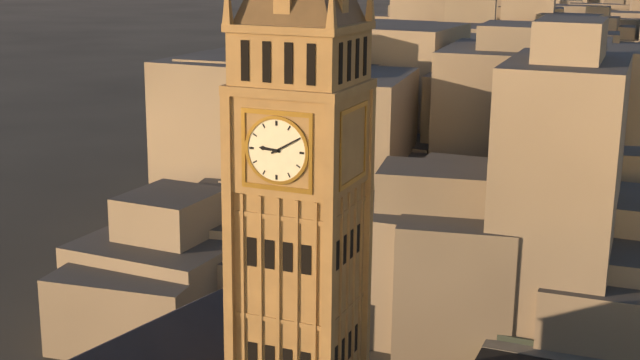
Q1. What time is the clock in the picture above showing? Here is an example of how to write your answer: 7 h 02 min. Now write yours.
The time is 9 h 10 min
